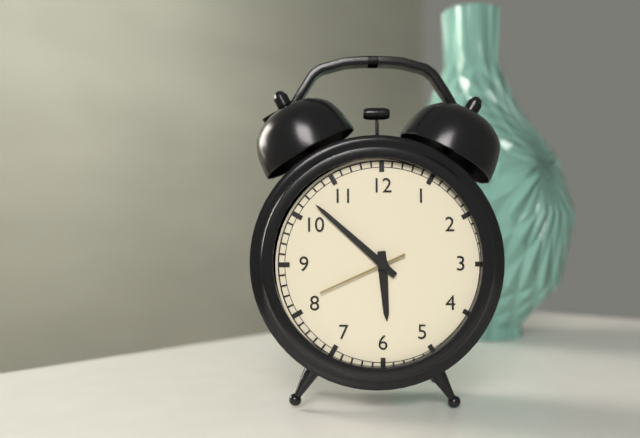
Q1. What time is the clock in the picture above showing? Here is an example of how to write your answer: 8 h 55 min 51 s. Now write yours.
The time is 5 h 52 min 41 s
